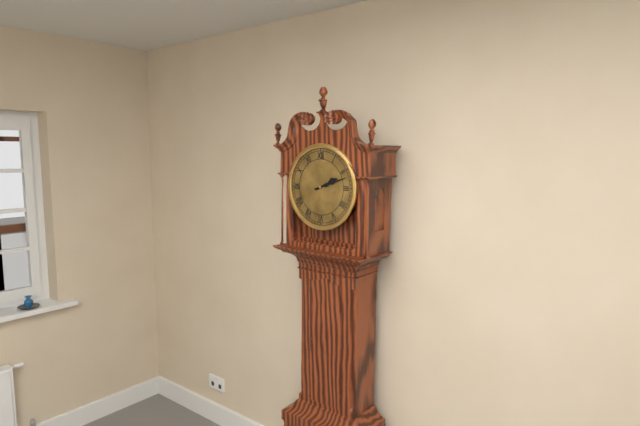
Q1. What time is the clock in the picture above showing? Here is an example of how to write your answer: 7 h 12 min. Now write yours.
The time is 2 h 12 min
